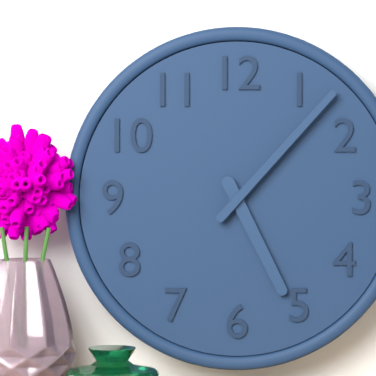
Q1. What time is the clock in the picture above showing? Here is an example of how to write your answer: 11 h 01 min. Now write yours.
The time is 5 h 07 min
